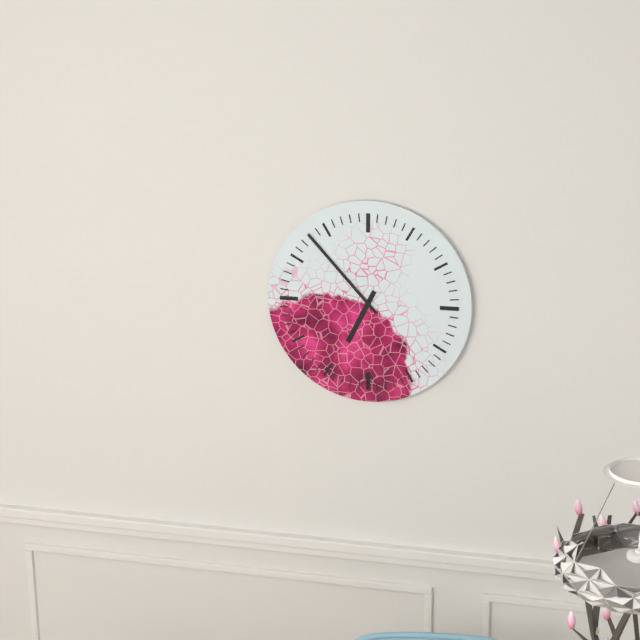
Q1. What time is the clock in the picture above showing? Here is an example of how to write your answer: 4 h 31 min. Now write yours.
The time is 6 h 53 min
